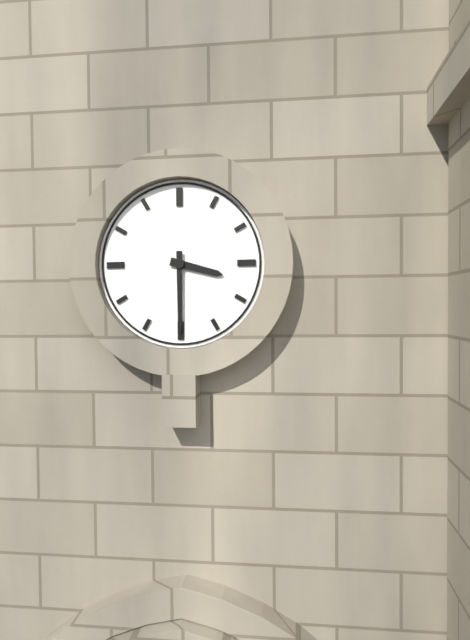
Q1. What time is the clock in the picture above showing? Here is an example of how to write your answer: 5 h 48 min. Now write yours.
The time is 3 h 30 min
